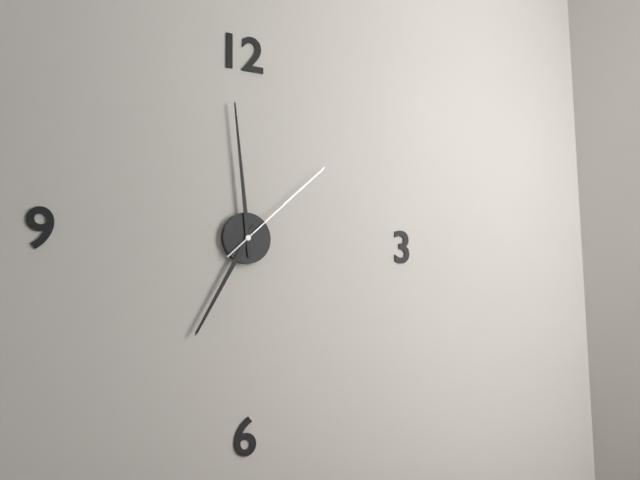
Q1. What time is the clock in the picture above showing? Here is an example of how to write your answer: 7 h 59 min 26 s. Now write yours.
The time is 6 h 59 min 08 s
